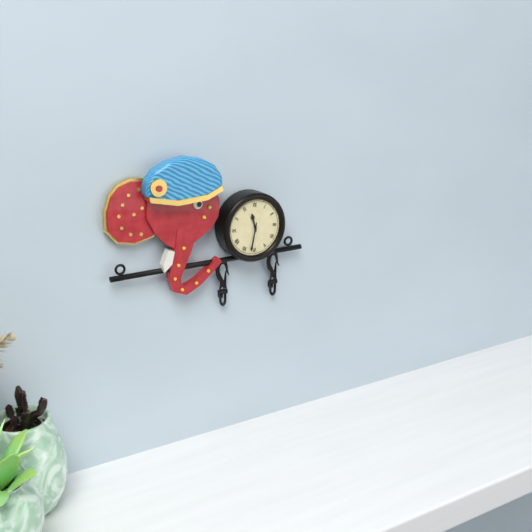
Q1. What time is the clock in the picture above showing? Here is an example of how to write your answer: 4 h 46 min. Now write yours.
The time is 11 h 32 min
